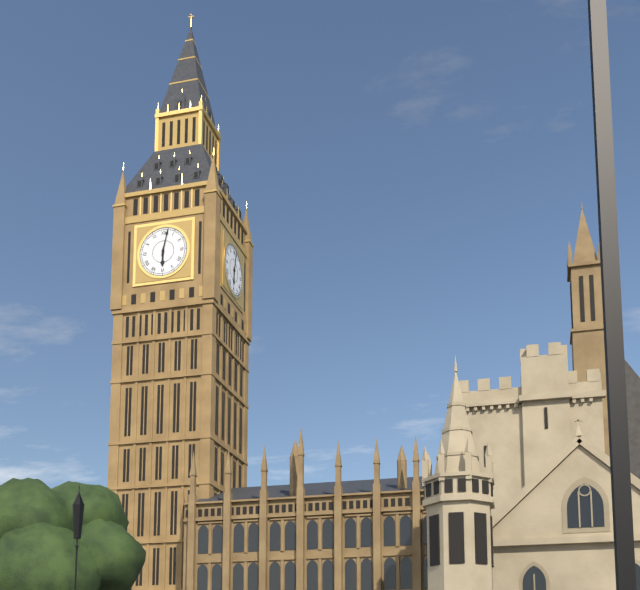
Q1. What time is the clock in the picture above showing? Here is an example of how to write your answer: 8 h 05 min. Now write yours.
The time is 6 h 02 min
